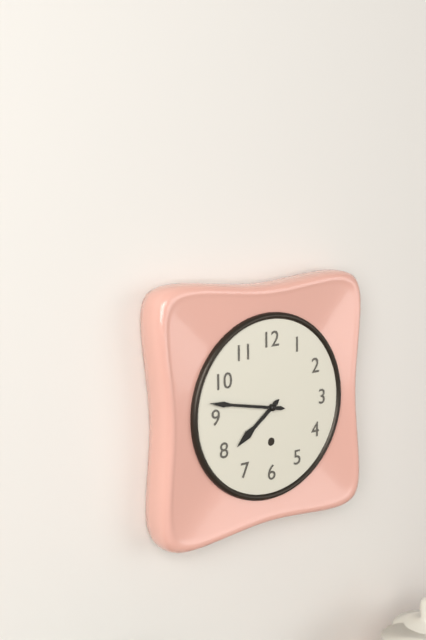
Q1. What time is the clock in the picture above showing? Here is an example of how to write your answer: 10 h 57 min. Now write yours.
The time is 7 h 47 min
